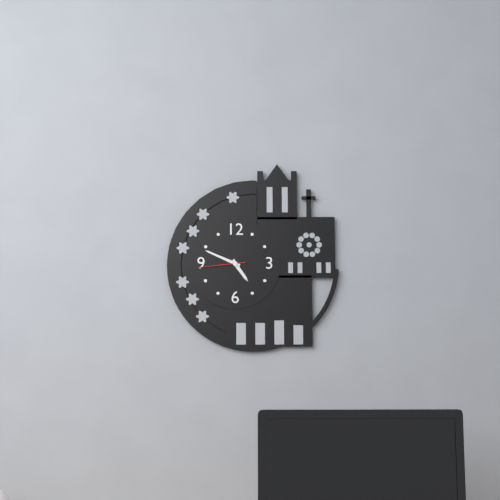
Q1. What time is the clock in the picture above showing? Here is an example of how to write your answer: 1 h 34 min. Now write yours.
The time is 4 h 49 min
